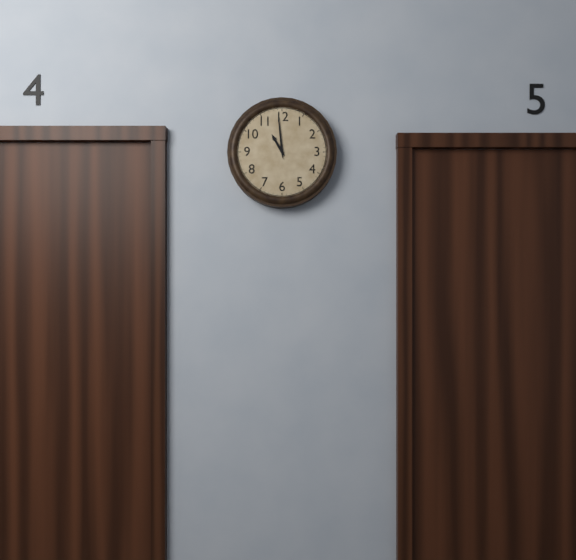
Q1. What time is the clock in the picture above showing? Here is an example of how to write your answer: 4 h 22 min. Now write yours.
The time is 10 h 59 min
